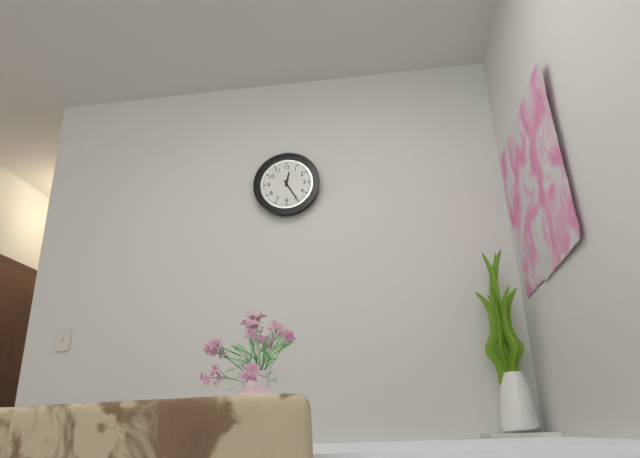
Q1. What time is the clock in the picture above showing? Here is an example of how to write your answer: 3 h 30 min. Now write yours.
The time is 12 h 25 min
